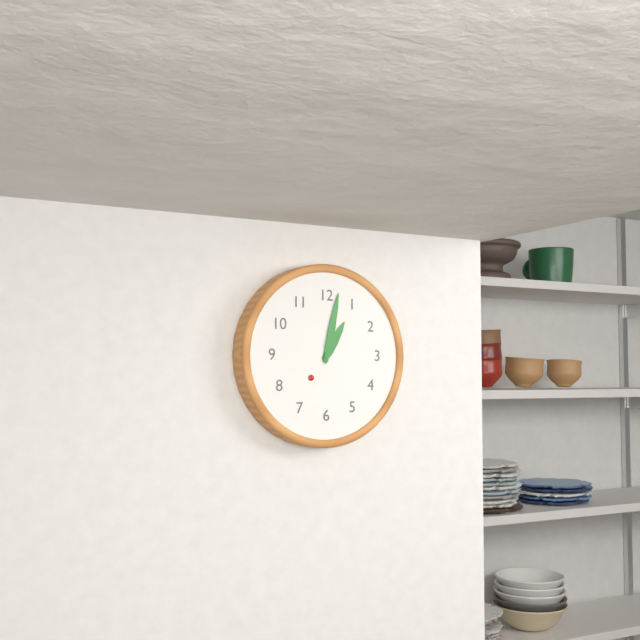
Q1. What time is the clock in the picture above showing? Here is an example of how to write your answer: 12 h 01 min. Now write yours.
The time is 1 h 02 min
